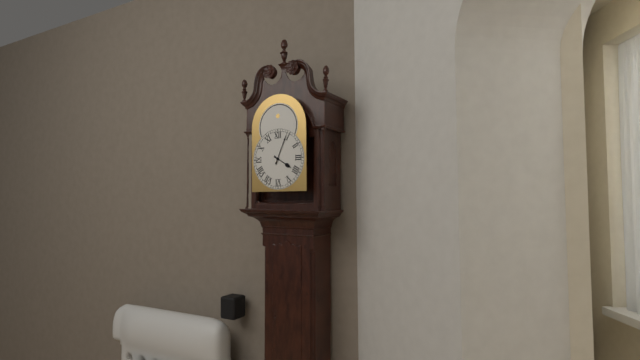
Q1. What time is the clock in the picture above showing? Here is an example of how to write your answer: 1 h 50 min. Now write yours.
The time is 4 h 04 min
